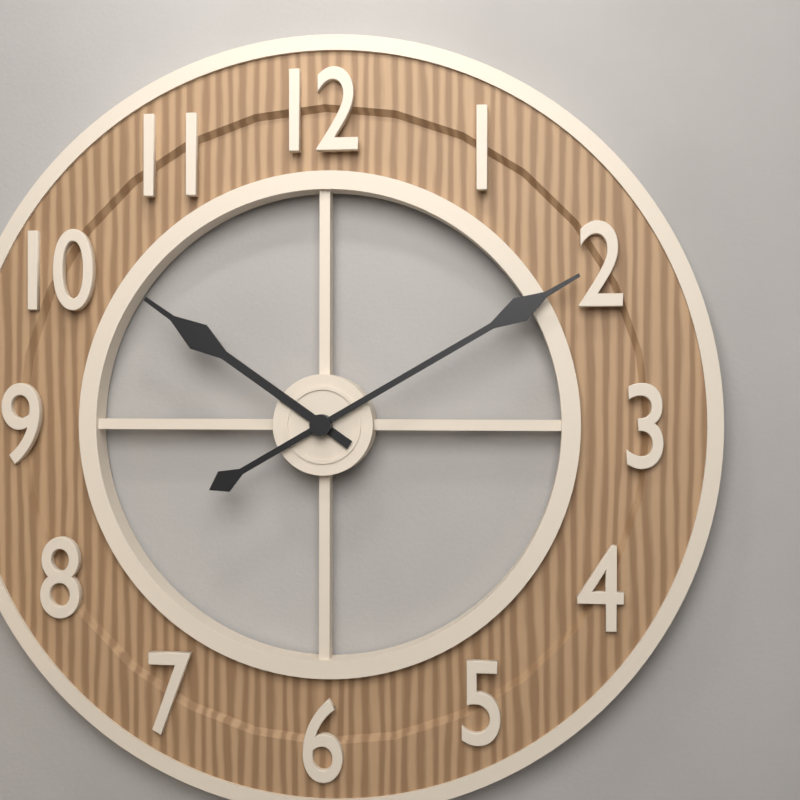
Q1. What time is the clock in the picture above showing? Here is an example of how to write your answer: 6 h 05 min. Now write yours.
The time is 10 h 10 min
